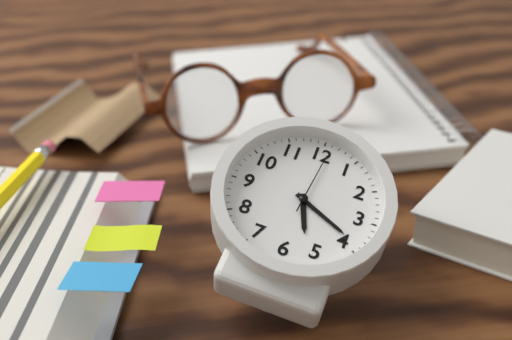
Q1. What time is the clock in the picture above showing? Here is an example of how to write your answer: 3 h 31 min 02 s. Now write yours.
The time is 5 h 19 min 01 s
